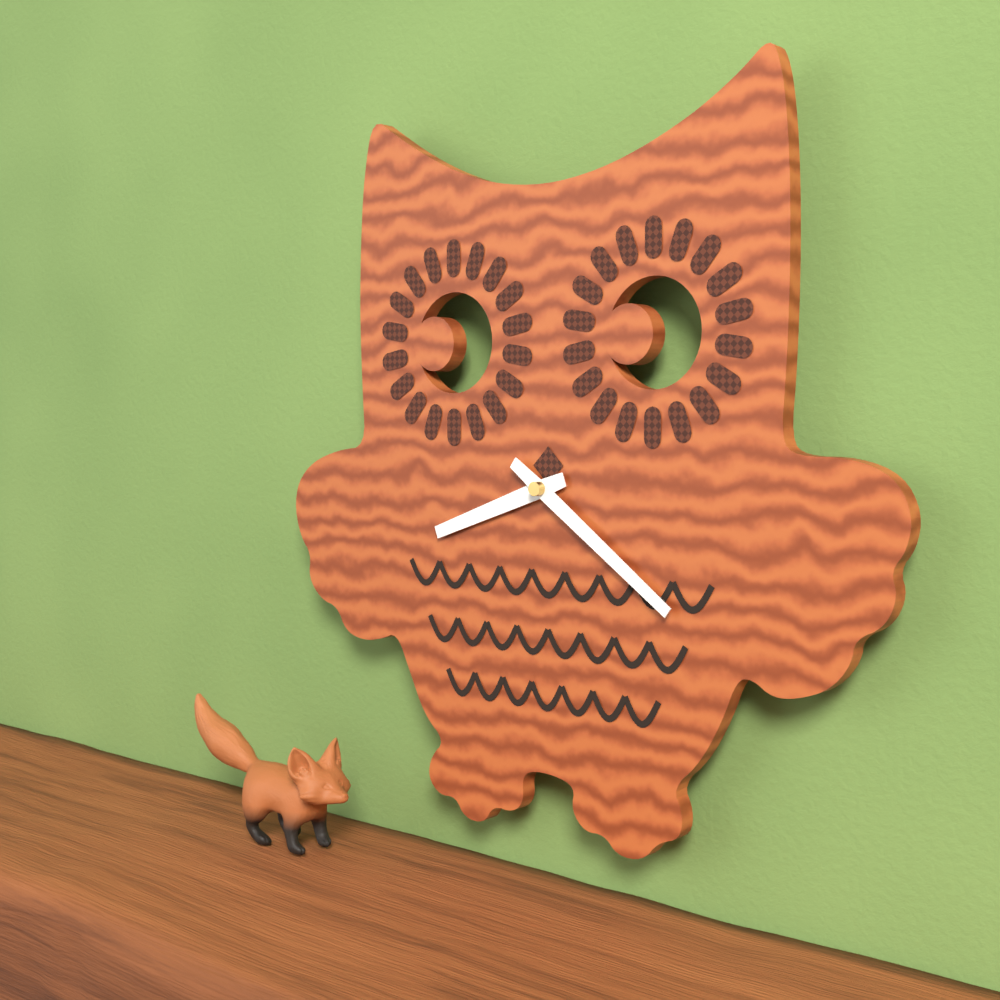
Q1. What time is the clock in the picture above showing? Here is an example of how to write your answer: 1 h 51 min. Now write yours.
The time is 8 h 21 min
